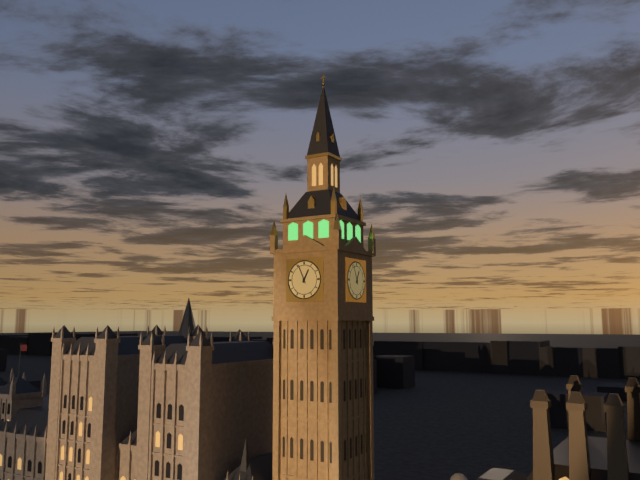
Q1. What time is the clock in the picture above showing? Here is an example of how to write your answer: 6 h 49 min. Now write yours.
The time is 12 h 56 min
